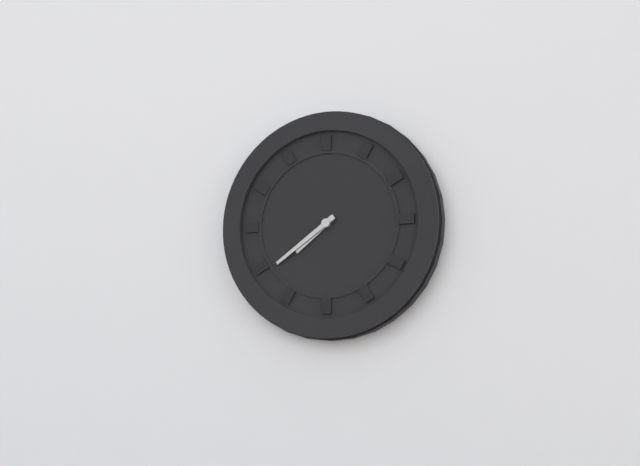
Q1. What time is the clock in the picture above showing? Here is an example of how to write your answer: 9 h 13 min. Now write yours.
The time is 7 h 39 min
